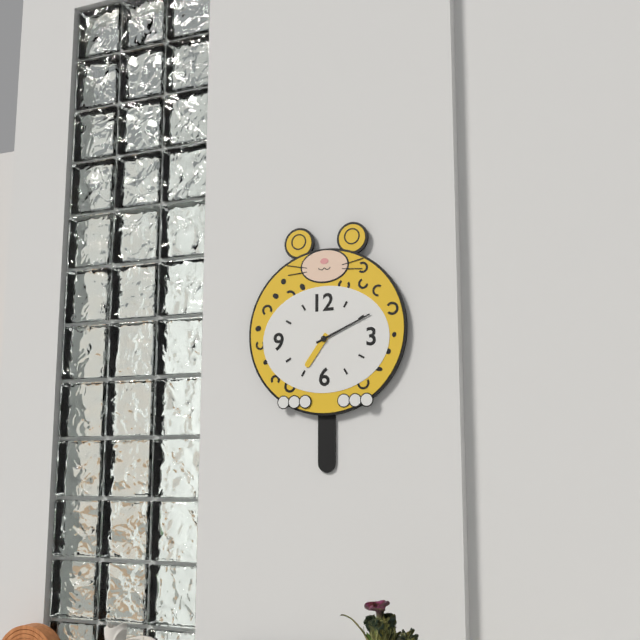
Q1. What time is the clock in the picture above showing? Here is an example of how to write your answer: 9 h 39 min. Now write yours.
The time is 7 h 11 min
